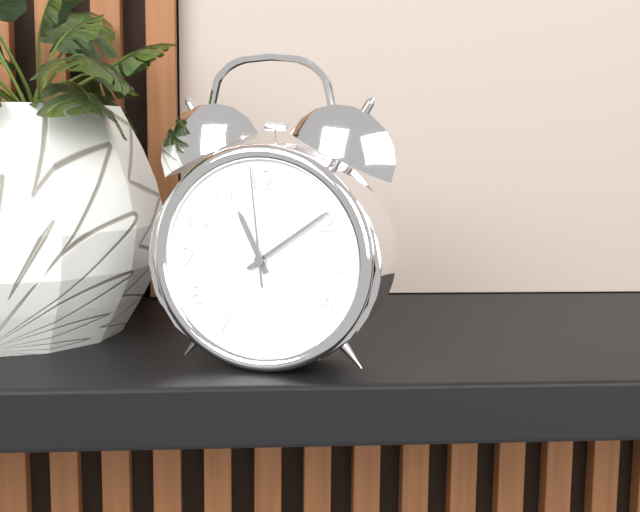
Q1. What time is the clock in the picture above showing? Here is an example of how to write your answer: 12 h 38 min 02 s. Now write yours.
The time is 11 h 09 min 59 s
